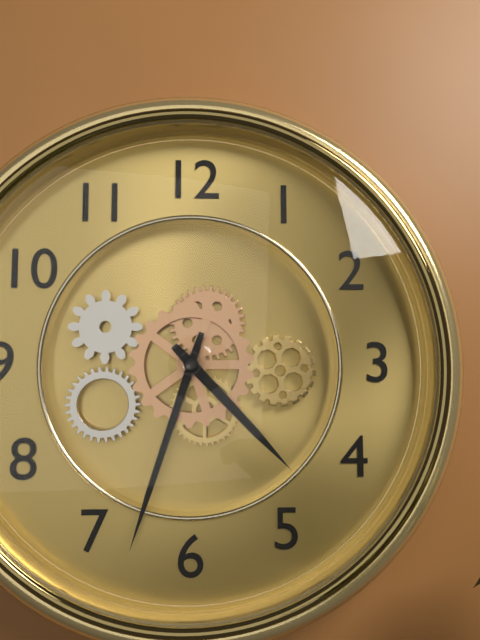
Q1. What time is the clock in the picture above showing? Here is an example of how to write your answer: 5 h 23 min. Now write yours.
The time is 4 h 33 min
